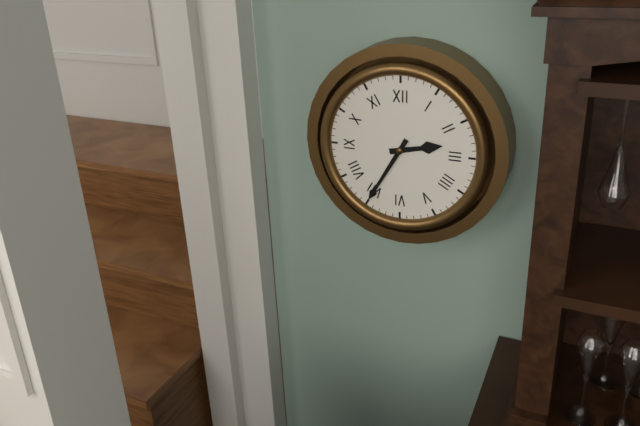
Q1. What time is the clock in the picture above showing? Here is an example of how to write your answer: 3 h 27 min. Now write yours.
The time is 2 h 35 min
